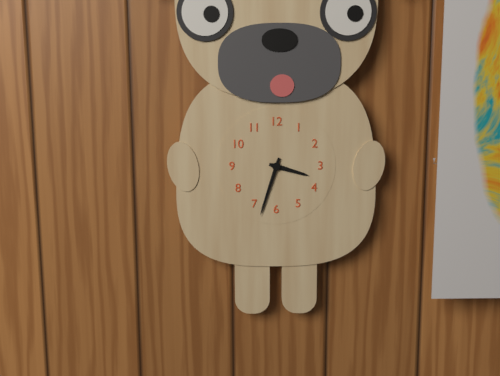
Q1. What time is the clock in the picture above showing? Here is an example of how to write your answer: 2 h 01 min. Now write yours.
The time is 3 h 33 min
